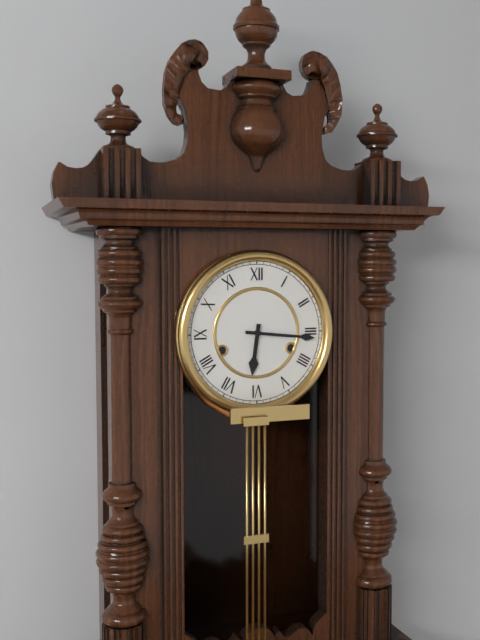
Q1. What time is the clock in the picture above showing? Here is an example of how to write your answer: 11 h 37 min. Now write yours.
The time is 6 h 16 min
